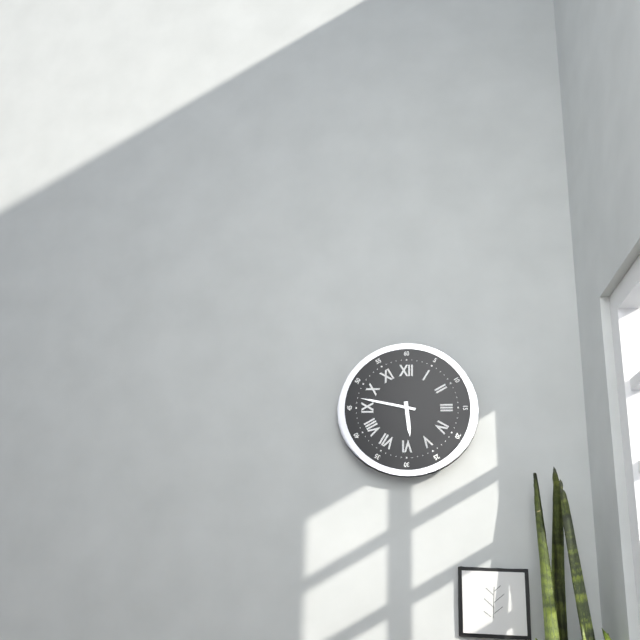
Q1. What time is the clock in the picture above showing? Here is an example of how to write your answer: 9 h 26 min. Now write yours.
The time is 5 h 47 min
